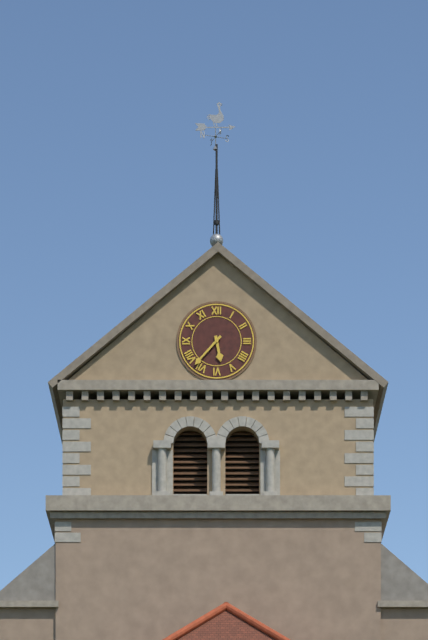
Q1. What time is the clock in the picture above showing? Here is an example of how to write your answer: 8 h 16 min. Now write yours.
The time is 5 h 37 min
